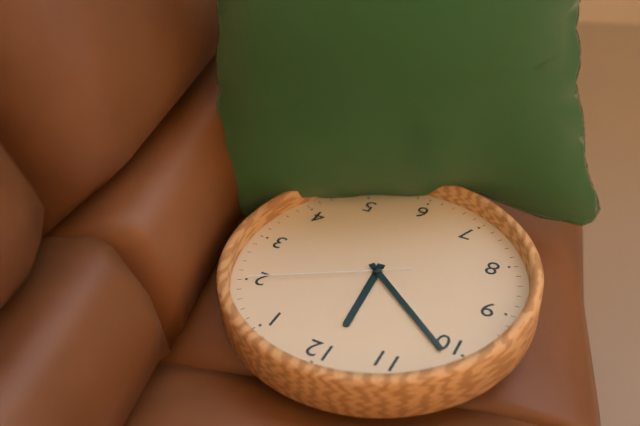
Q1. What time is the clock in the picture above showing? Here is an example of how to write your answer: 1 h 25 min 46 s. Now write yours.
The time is 11 h 51 min 10 s
